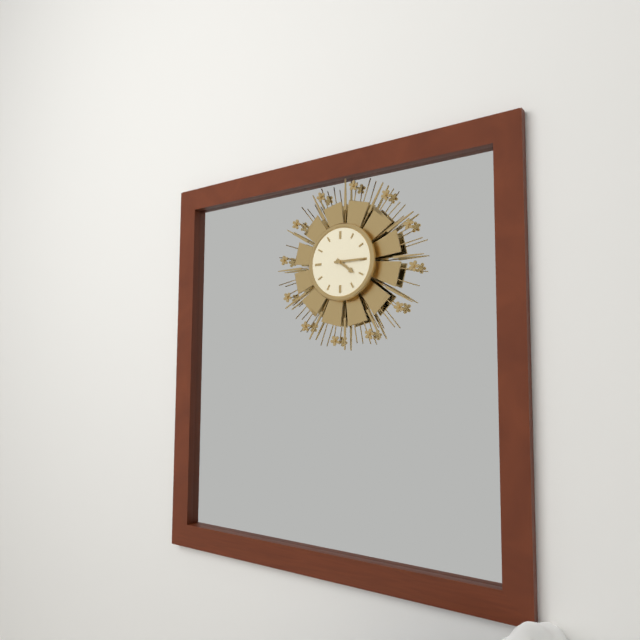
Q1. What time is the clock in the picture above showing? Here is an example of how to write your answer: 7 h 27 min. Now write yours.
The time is 4 h 15 min
